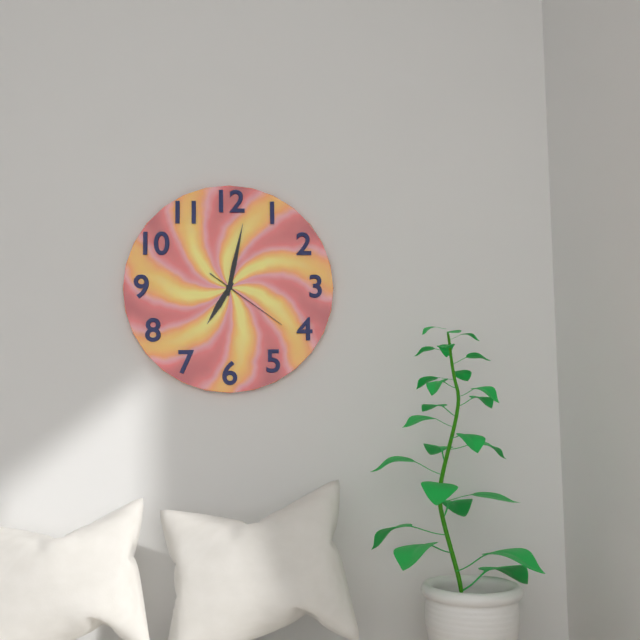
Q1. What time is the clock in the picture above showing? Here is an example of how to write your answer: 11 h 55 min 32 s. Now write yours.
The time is 7 h 02 min 21 s
